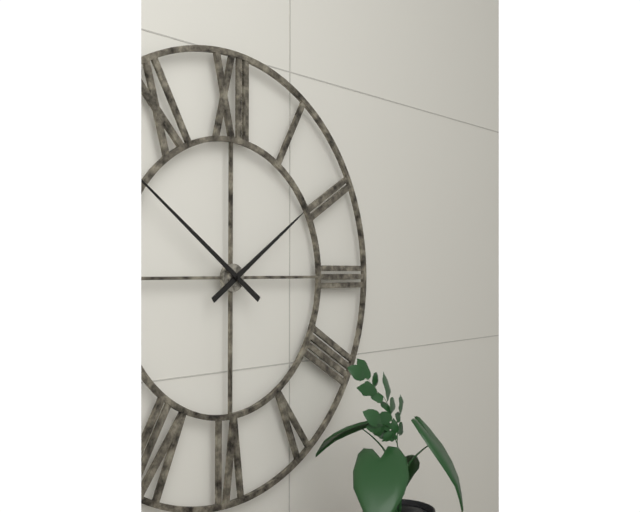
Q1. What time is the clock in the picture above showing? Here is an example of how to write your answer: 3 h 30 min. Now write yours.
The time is 1 h 51 min
